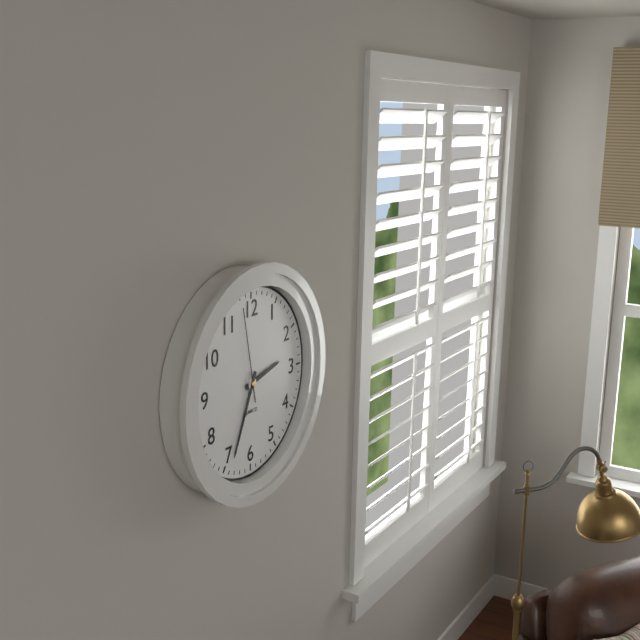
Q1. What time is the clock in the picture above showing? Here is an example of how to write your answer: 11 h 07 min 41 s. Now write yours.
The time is 2 h 34 min 58 s
